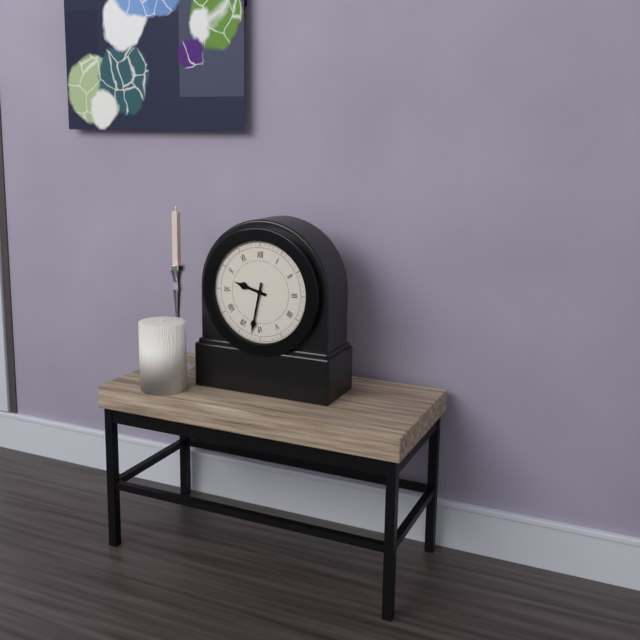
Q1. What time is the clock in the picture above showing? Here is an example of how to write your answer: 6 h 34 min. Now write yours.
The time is 9 h 32 min
